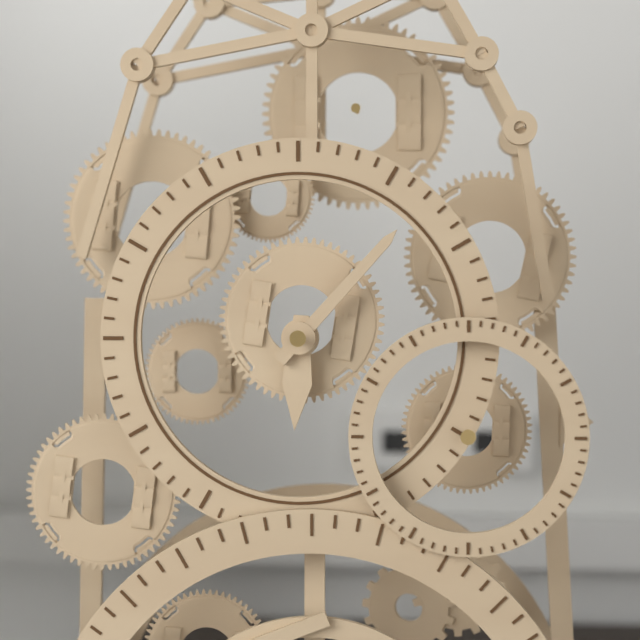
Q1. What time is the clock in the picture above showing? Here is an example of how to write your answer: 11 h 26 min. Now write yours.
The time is 6 h 07 min
